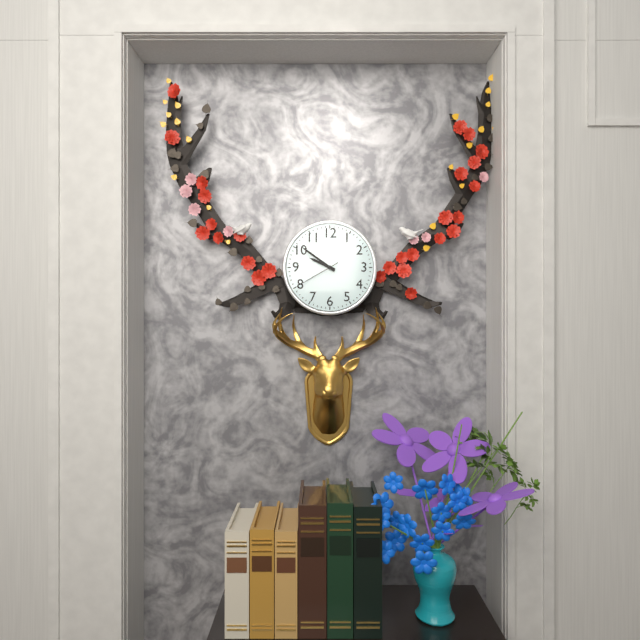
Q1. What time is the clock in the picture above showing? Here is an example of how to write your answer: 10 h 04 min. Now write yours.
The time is 9 h 51 min
